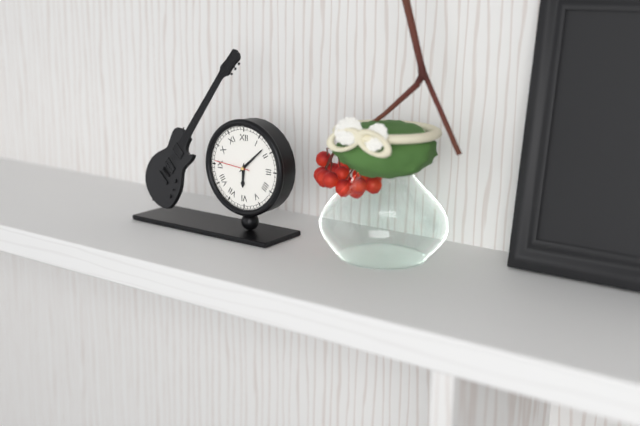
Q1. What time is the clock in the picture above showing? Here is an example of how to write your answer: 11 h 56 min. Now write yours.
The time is 6 h 08 min
